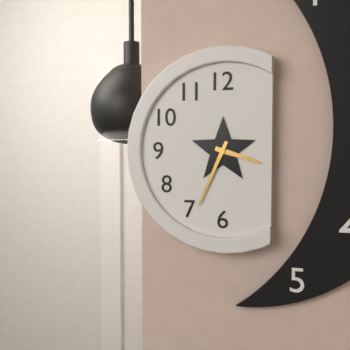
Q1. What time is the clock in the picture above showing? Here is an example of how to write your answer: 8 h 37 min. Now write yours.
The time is 3 h 34 min
